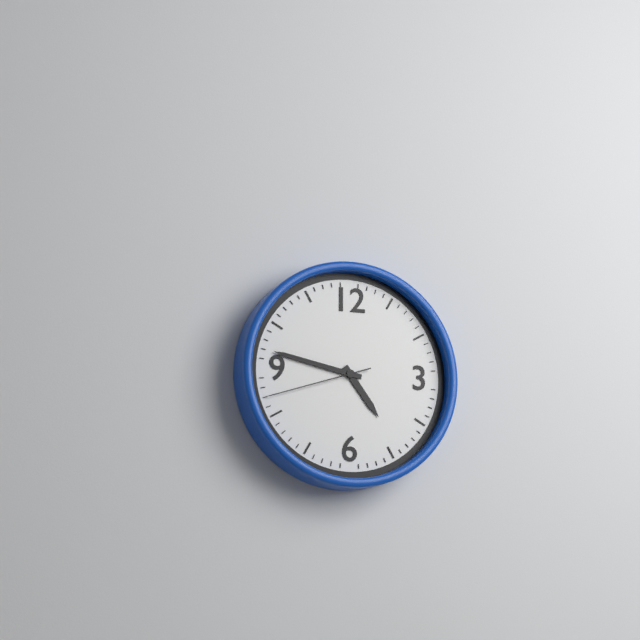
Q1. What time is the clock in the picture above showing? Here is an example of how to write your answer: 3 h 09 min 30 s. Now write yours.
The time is 4 h 47 min 42 s
